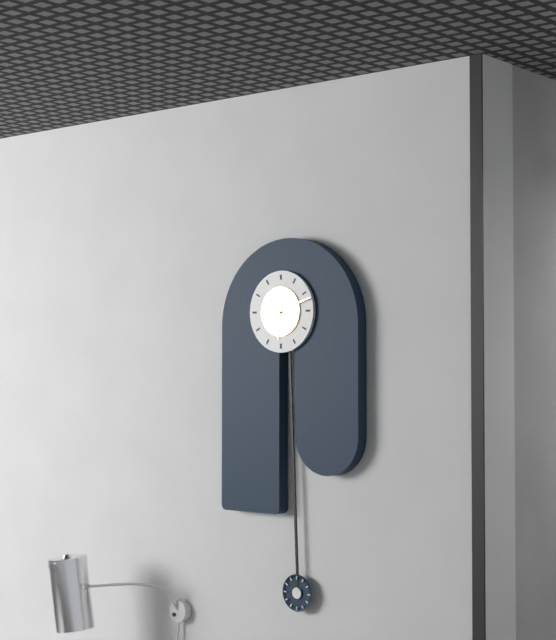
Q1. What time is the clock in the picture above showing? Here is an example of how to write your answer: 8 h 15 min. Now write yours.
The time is 6 h 12 min
